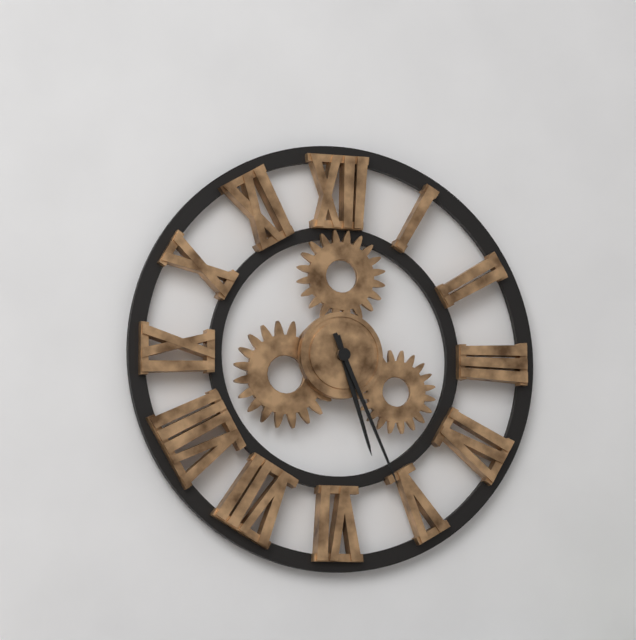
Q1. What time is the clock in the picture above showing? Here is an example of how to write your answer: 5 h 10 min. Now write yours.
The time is 5 h 26 min
